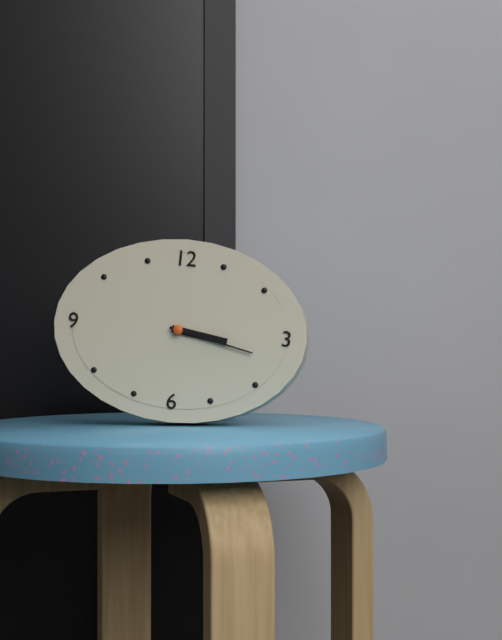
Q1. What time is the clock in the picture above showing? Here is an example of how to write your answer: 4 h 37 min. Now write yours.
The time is 3 h 17 min
